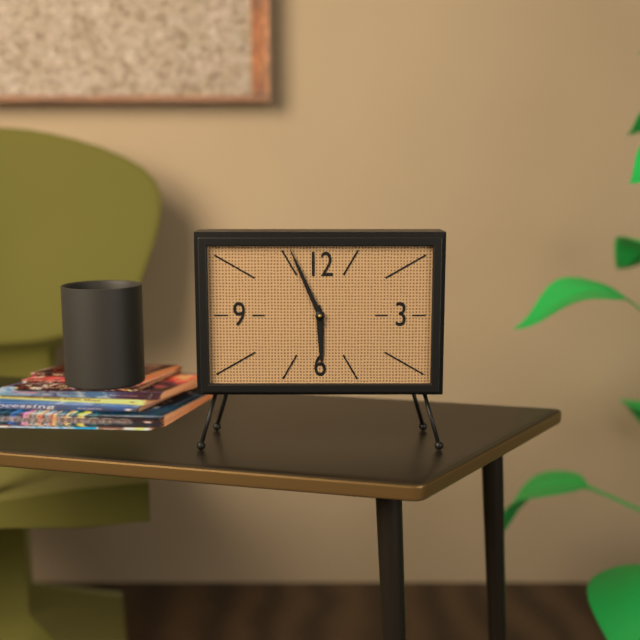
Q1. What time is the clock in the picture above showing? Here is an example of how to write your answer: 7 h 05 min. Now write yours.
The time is 5 h 56 min
